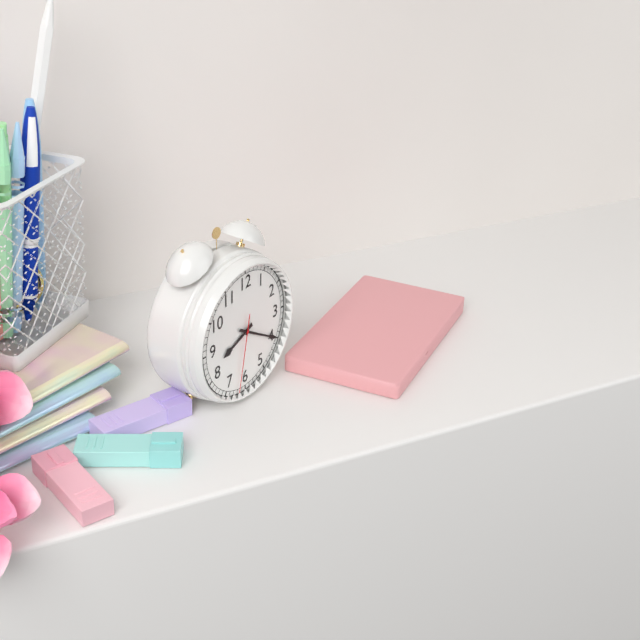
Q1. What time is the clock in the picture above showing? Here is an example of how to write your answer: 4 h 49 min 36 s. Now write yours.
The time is 8 h 20 min 32 s
